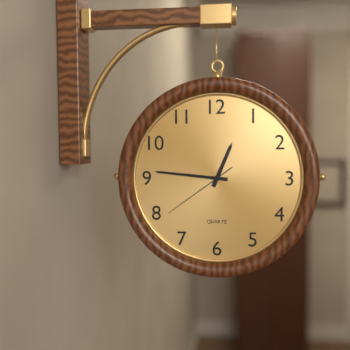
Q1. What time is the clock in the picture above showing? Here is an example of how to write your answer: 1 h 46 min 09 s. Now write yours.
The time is 12 h 46 min 39 s
